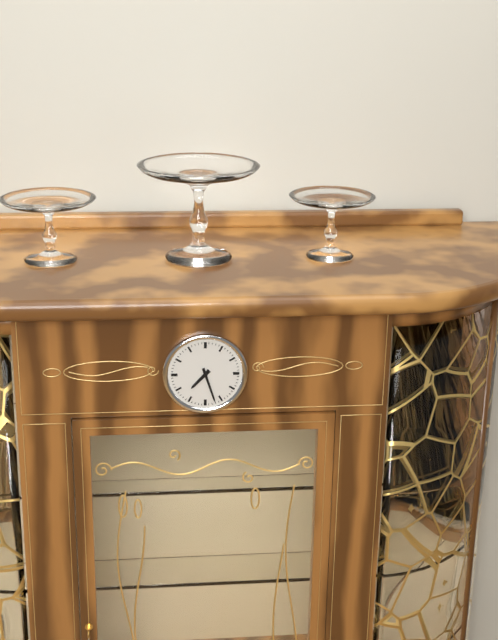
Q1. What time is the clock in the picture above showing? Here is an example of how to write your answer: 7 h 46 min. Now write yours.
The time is 7 h 27 min
